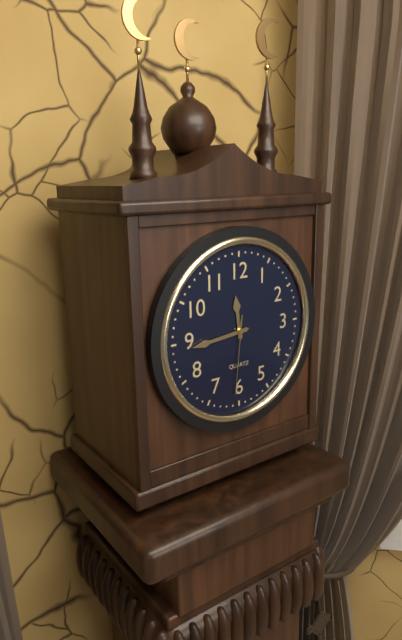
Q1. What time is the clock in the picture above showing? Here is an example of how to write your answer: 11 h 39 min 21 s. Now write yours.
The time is 11 h 44 min 31 s
